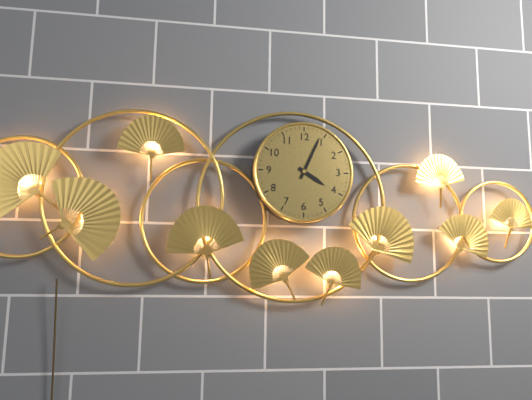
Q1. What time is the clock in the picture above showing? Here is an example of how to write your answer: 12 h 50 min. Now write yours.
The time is 4 h 04 min
